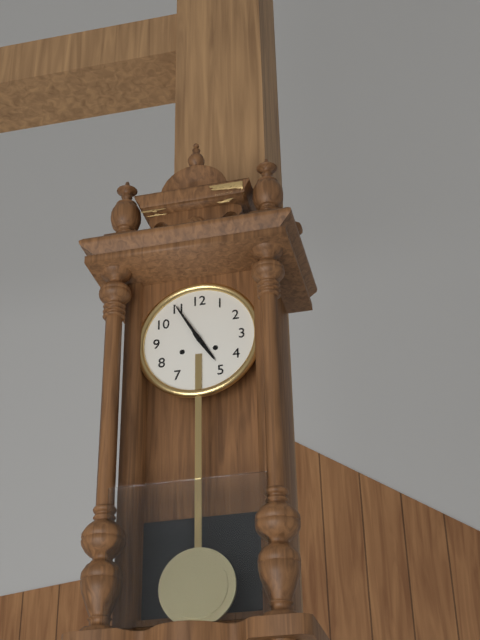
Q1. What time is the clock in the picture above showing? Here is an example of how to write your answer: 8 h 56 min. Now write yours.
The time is 4 h 55 min
